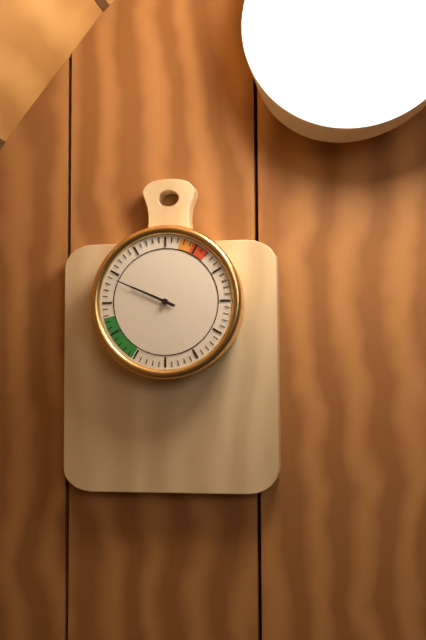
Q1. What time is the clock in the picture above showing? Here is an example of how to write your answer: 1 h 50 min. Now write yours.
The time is 9 h 49 min
